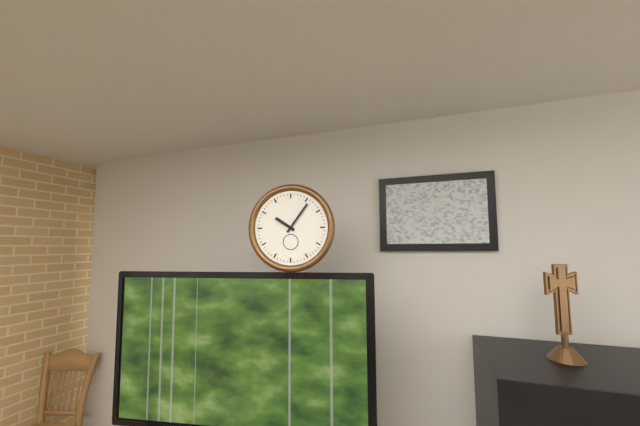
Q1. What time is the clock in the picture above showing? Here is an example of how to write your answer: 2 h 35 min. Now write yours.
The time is 10 h 06 min
